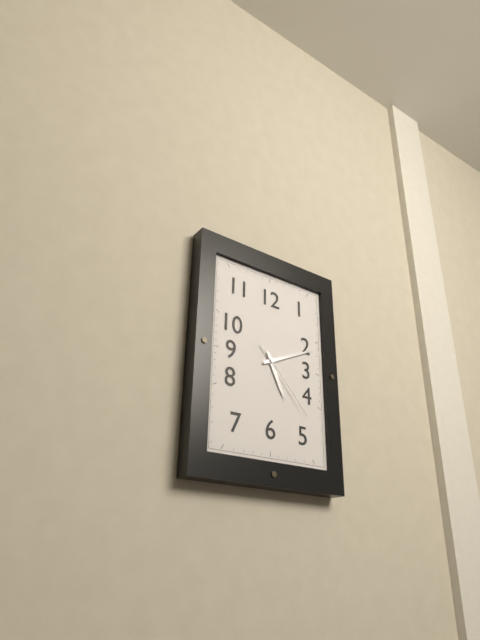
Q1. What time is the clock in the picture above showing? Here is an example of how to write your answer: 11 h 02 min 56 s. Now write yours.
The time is 5 h 11 min 23 s
